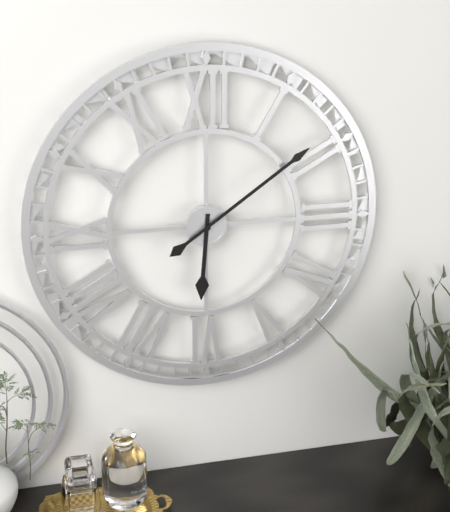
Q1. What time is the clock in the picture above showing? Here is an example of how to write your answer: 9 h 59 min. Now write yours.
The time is 6 h 09 min
